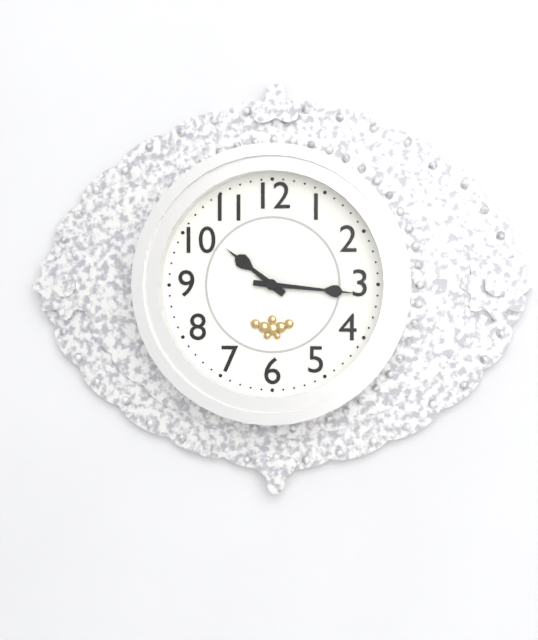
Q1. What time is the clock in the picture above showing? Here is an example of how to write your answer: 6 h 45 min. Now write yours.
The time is 10 h 16 min
